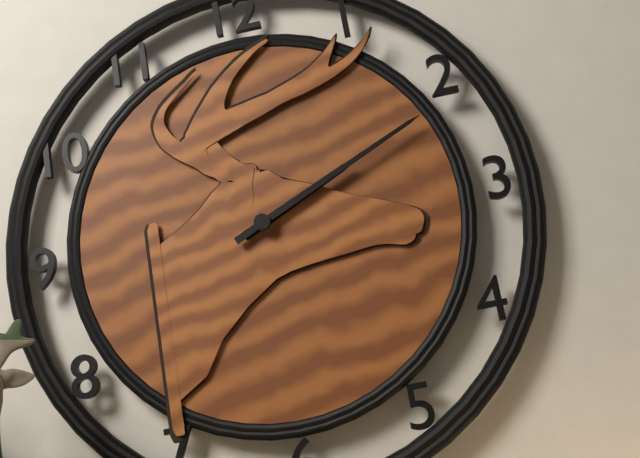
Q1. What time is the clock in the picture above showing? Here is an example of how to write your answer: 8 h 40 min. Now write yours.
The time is 2 h 11 min
